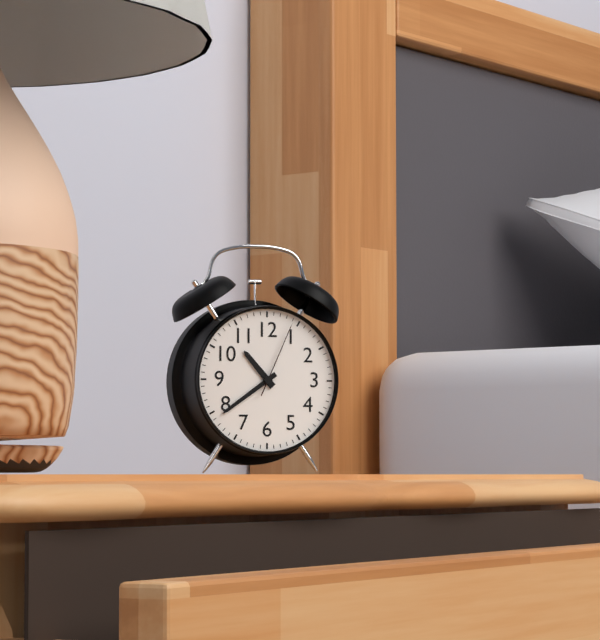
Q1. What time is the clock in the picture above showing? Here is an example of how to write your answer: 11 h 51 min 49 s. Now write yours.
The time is 10 h 39 min 04 s
